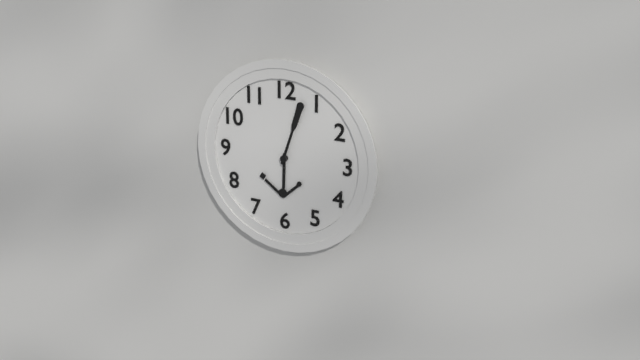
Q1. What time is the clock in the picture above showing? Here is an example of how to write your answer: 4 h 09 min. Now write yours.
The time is 6 h 03 min
